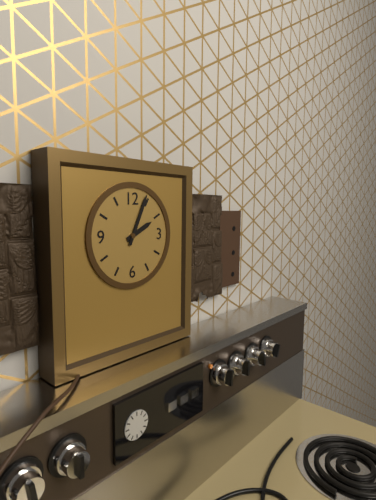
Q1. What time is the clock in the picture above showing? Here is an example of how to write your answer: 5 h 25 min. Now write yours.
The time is 2 h 04 min
